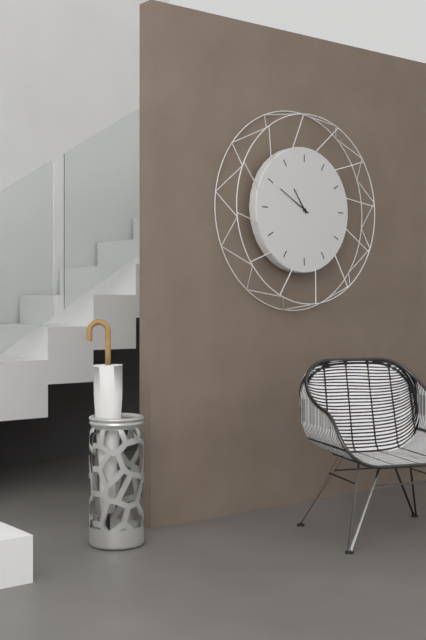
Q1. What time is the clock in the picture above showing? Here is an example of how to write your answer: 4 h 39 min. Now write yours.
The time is 10 h 50 min
